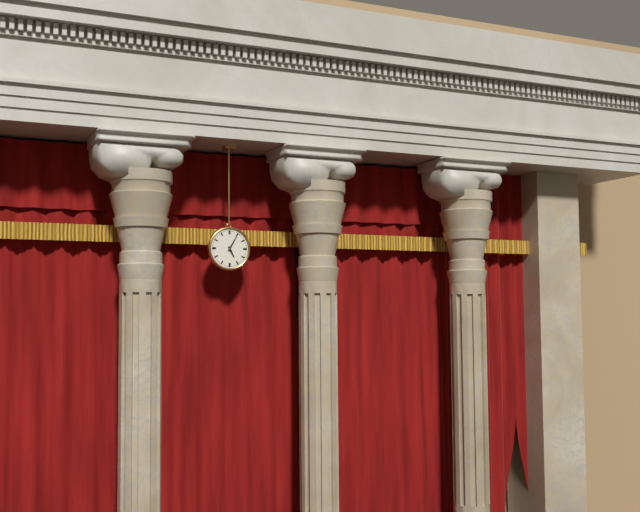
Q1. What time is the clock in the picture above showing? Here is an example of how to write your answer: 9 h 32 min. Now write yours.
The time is 5 h 05 min
